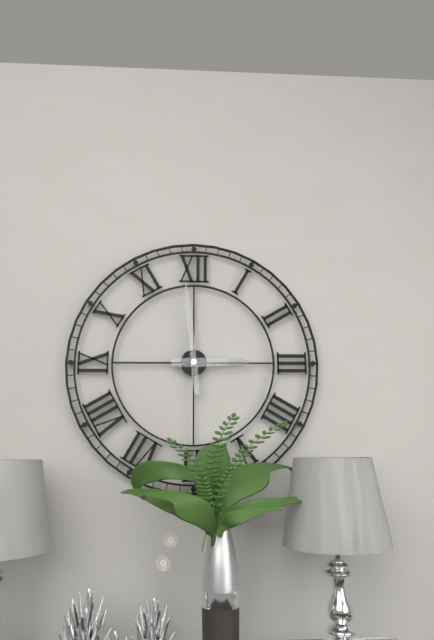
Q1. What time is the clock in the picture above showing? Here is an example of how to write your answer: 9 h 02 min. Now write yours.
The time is 2 h 59 min
